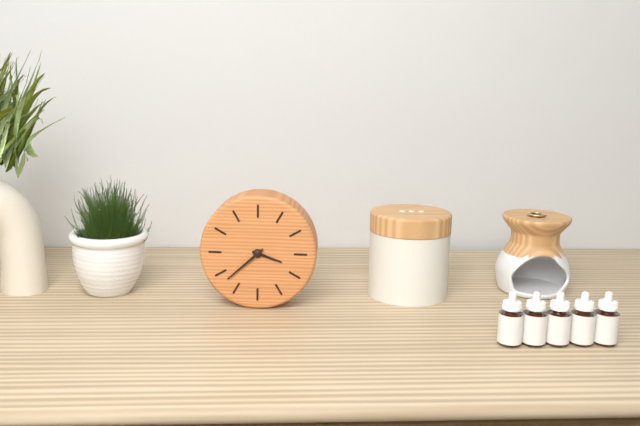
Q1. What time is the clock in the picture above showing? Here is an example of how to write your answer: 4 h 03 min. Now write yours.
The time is 3 h 38 min
